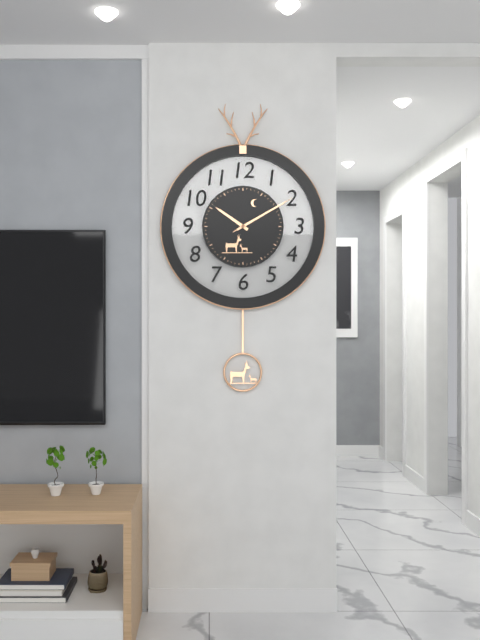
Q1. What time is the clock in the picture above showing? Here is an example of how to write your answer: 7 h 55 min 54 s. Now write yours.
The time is 10 h 10 min 10 s
